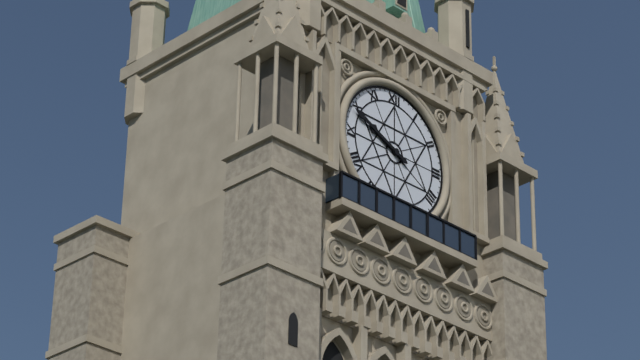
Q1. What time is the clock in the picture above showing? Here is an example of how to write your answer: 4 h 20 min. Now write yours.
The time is 9 h 49 min
